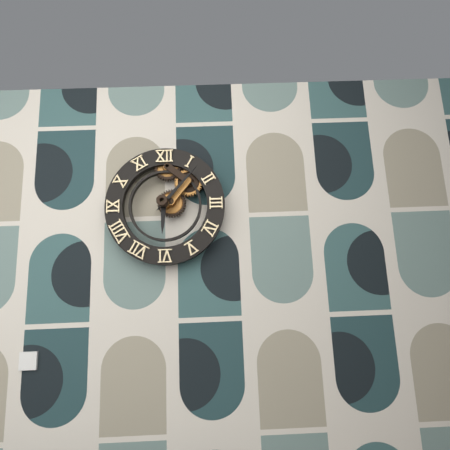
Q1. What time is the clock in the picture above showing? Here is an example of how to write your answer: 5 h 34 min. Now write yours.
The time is 6 h 07 min
